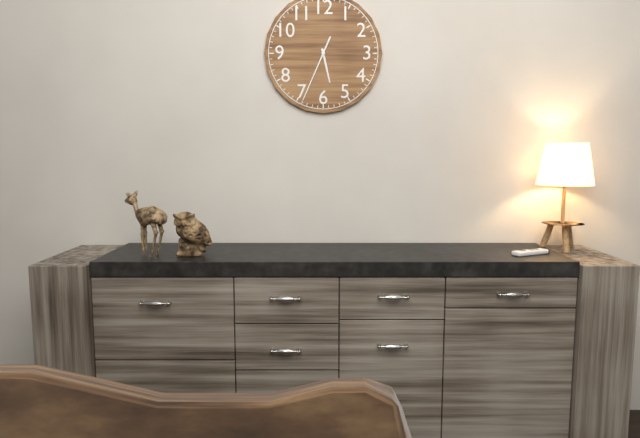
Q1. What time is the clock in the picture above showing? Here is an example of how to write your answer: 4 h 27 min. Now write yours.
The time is 5 h 34 min
